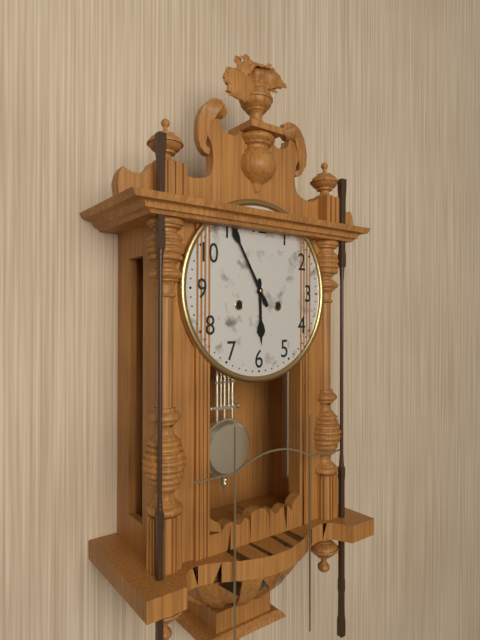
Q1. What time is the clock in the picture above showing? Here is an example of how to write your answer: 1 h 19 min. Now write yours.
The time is 5 h 55 min
